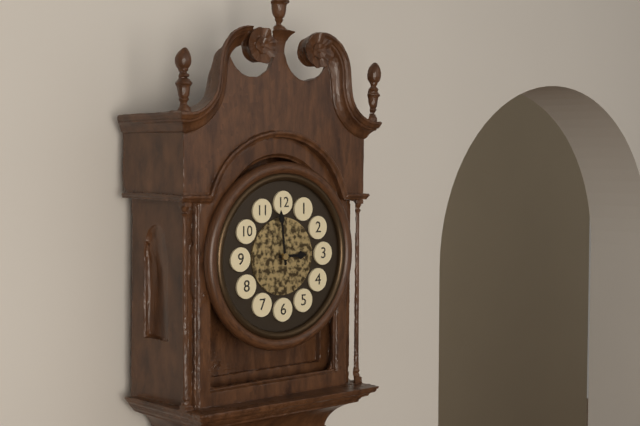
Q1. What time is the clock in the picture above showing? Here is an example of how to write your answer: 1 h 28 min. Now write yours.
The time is 2 h 59 min
